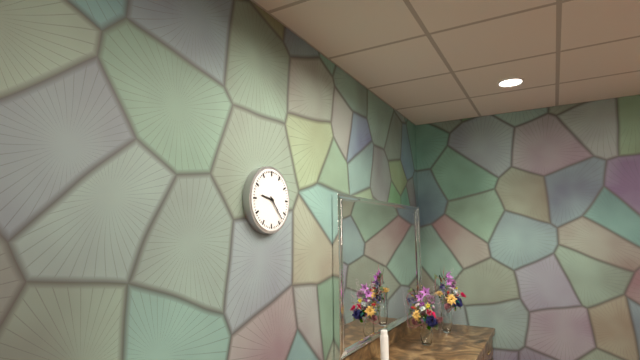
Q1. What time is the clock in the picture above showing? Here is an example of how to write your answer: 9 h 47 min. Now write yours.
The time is 9 h 23 min
